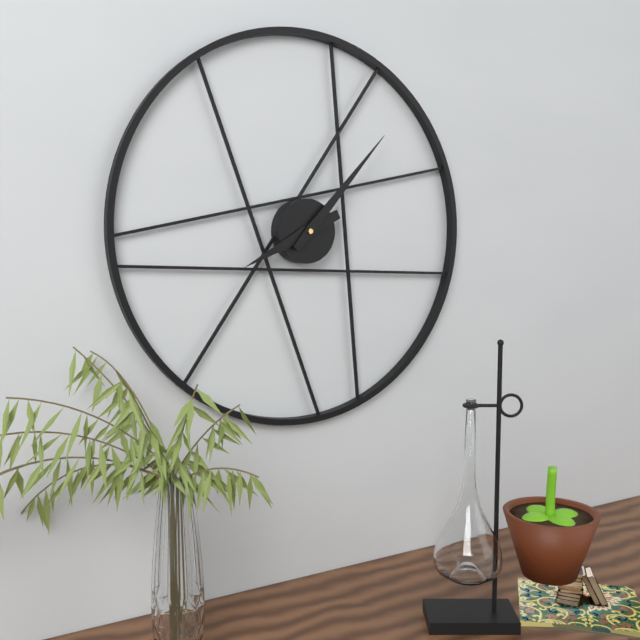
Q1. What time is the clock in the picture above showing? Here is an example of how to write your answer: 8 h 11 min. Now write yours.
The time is 8 h 07 min
